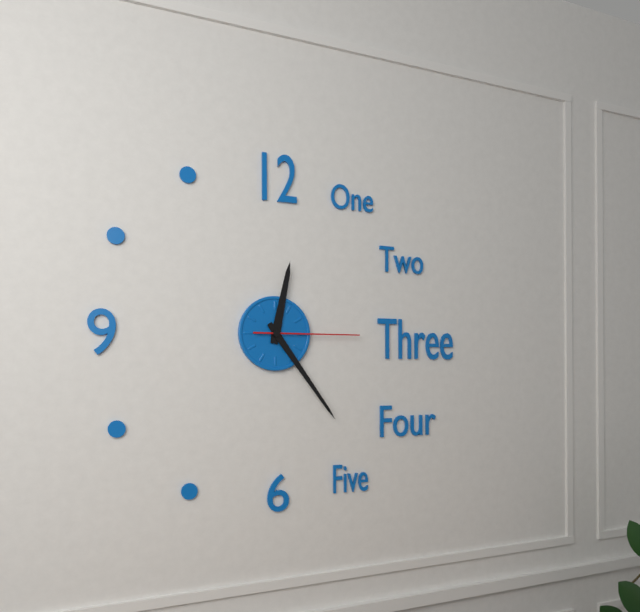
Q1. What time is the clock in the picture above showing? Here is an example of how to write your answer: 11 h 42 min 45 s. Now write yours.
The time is 12 h 24 min 15 s
